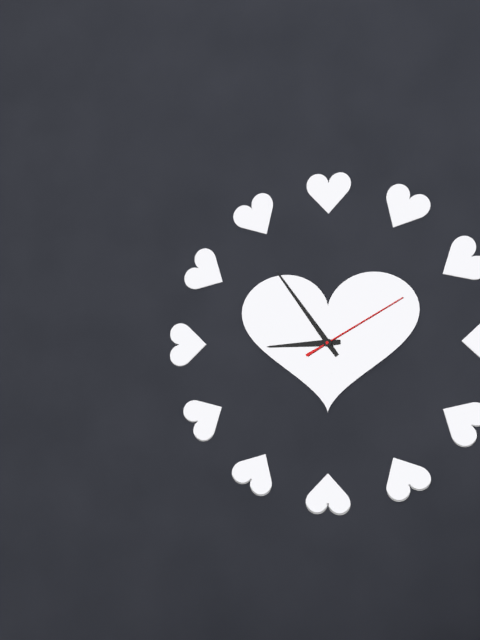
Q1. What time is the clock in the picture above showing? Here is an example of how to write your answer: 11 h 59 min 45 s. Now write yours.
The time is 8 h 54 min 10 s
